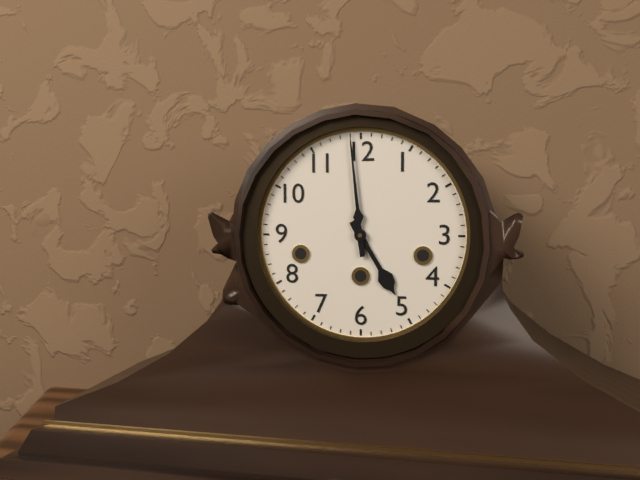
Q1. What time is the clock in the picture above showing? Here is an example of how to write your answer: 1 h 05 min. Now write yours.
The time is 4 h 59 min
